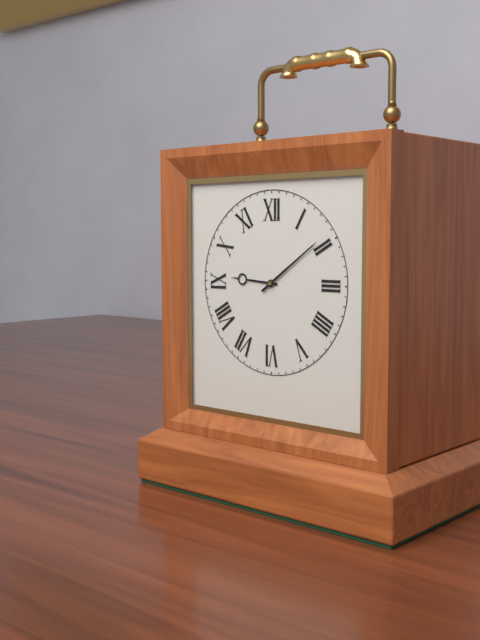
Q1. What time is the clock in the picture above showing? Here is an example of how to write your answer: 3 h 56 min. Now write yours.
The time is 9 h 09 min
